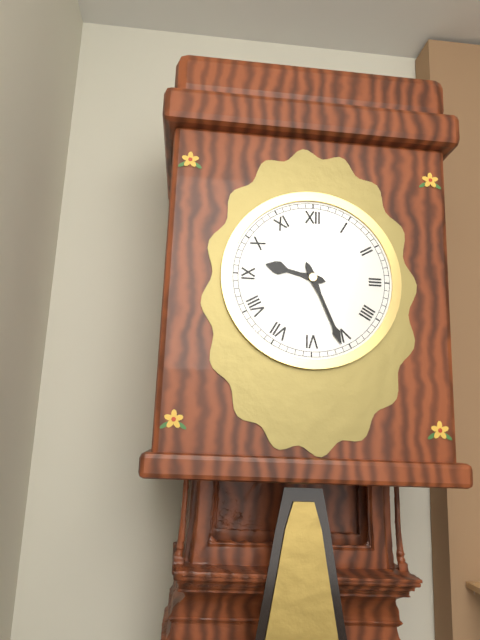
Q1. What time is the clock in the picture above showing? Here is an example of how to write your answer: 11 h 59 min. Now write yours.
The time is 9 h 26 min
